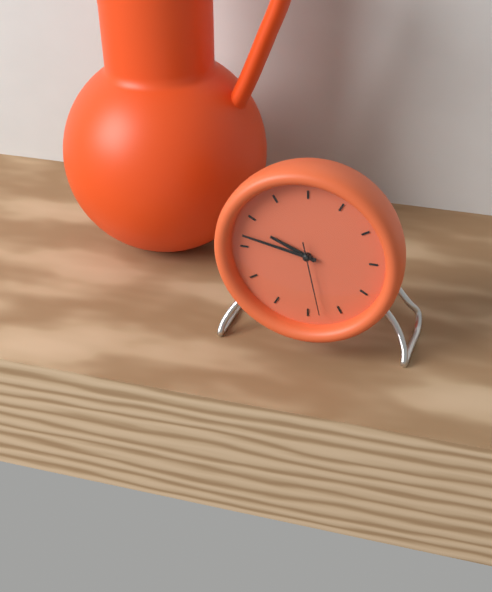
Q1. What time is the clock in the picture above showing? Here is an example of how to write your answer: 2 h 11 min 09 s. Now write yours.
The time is 9 h 47 min 28 s
